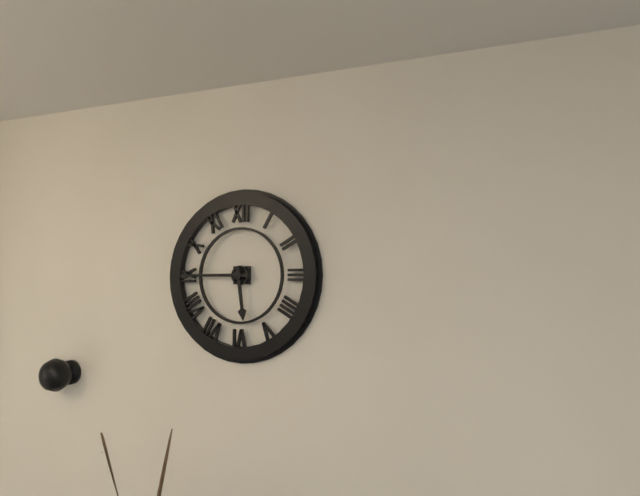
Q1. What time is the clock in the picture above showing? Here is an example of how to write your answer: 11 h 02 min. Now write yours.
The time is 5 h 45 min
